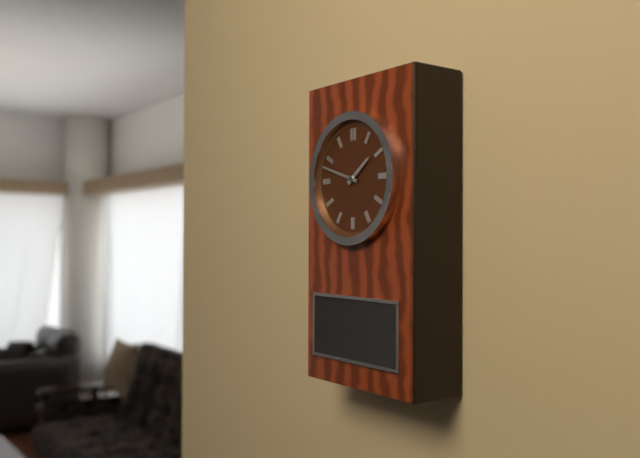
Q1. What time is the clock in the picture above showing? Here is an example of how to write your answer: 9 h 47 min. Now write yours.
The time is 1 h 48 min
